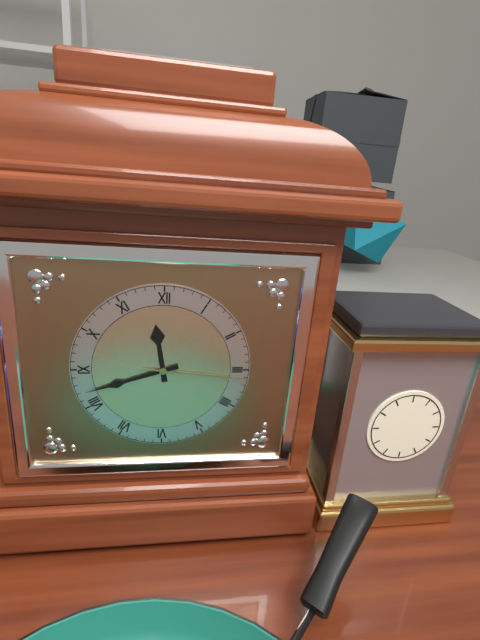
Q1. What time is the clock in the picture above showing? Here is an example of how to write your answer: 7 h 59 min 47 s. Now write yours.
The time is 11 h 42 min 16 s
